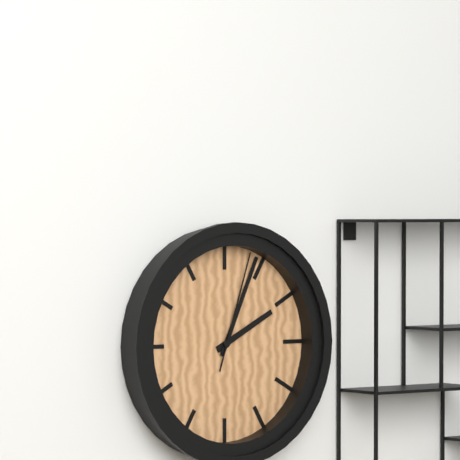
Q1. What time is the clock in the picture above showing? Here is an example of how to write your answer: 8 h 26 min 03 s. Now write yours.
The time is 2 h 04 min 03 s
